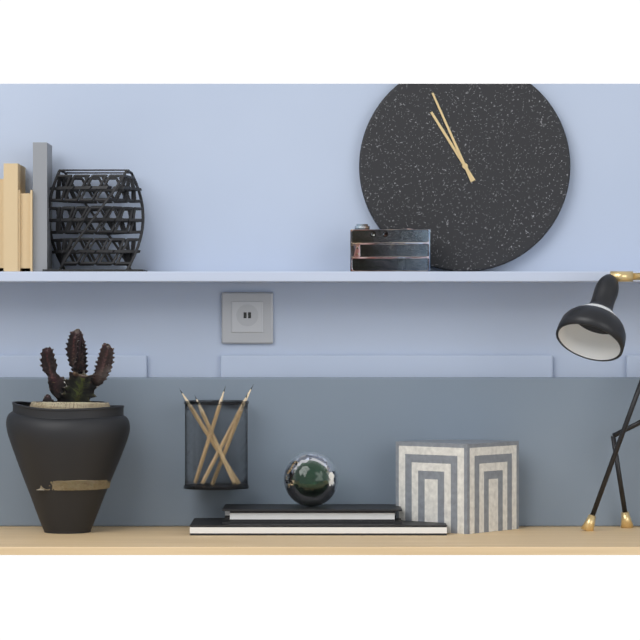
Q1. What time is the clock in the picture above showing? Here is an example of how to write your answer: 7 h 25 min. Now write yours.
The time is 10 h 56 min
